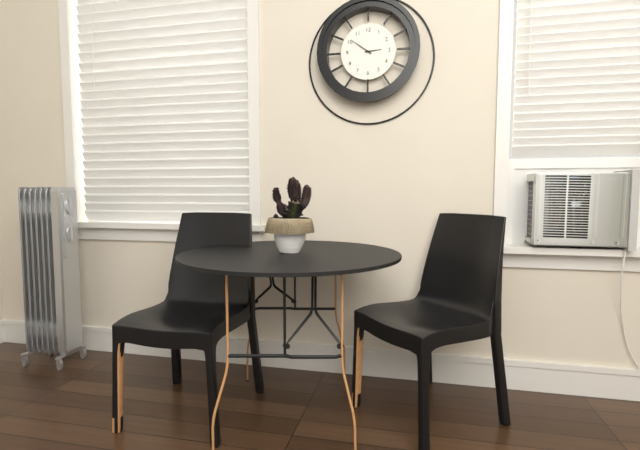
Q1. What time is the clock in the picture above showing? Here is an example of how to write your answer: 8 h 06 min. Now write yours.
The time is 2 h 51 min
